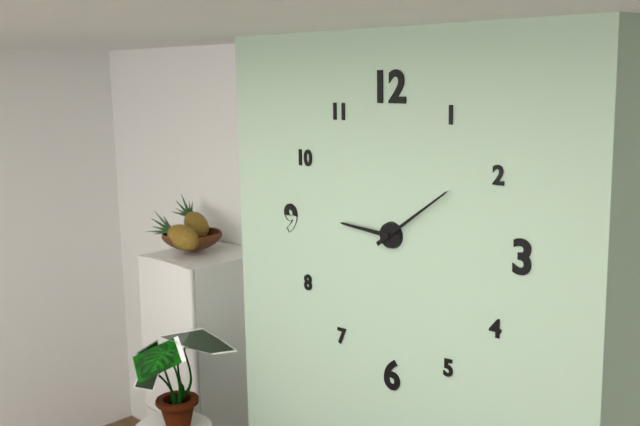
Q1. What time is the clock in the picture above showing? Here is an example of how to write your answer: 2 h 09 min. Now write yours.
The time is 9 h 09 min
